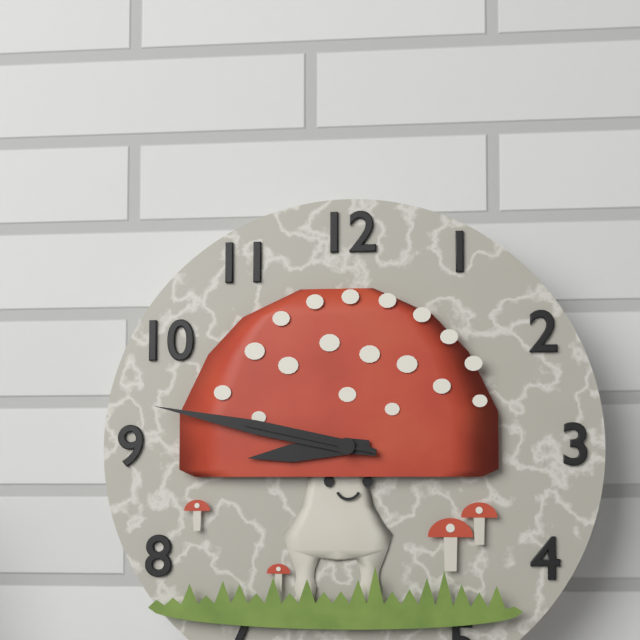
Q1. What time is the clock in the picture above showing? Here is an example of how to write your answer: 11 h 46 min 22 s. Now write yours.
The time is 8 h 47 min 47 s
